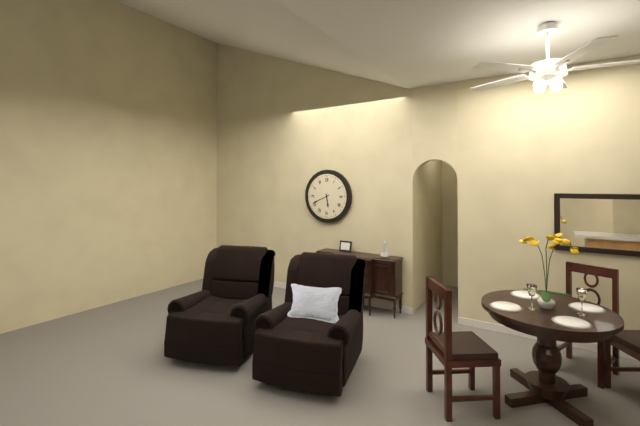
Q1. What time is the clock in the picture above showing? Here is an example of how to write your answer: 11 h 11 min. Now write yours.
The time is 5 h 41 min
